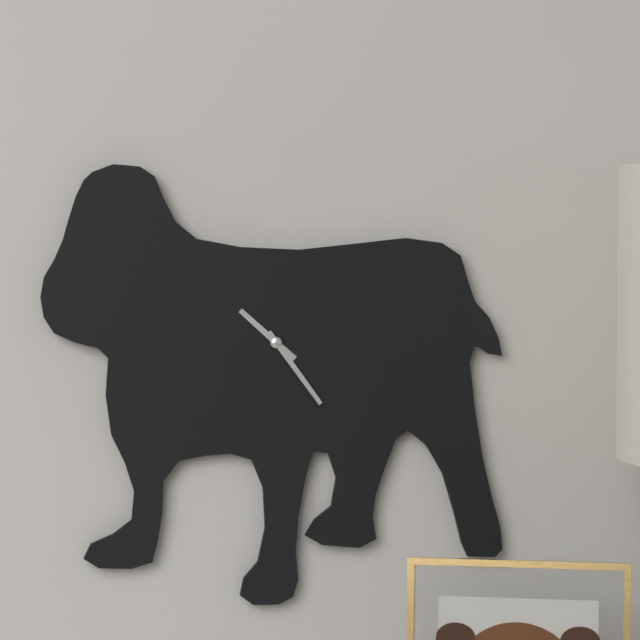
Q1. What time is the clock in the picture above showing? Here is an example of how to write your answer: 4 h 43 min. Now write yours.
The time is 10 h 24 min
